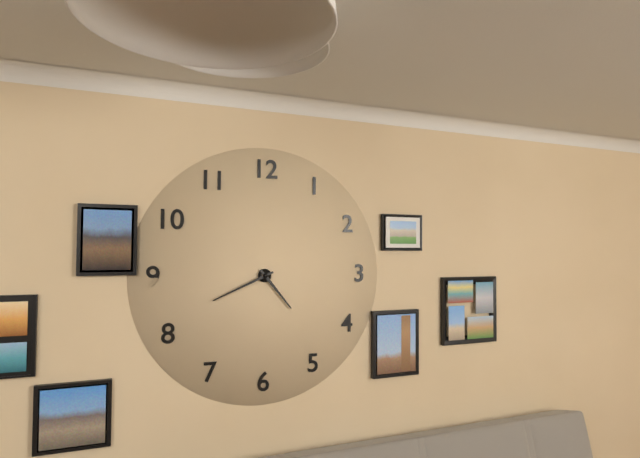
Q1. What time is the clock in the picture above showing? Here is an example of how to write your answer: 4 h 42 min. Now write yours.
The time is 4 h 41 min
